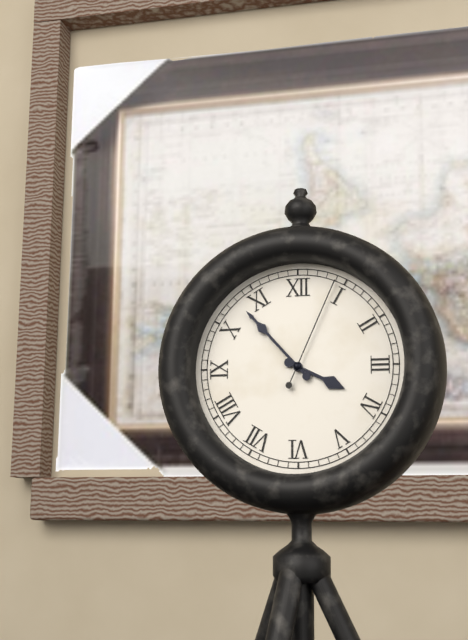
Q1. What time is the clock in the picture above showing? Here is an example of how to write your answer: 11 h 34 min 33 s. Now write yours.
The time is 3 h 53 min 04 s
